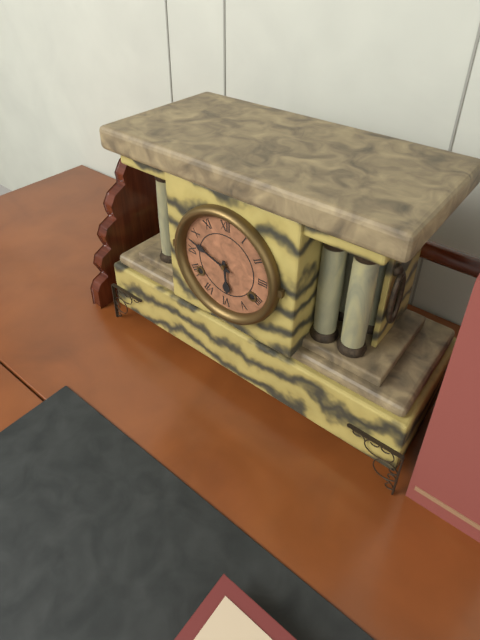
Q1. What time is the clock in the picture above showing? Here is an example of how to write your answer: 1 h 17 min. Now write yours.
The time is 5 h 48 min
